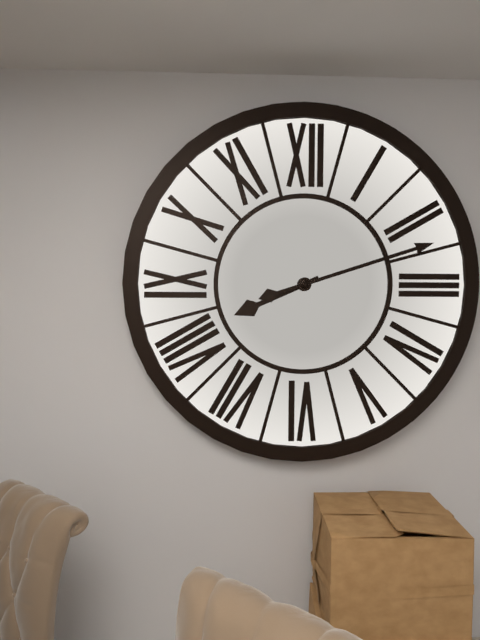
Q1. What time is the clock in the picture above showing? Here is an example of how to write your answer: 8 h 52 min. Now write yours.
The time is 8 h 12 min
